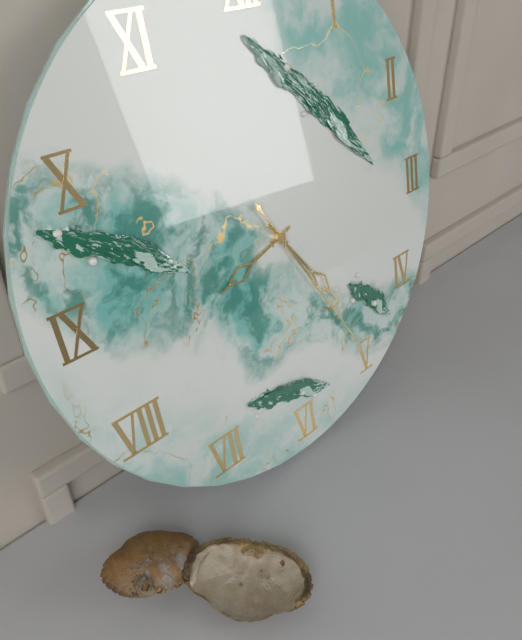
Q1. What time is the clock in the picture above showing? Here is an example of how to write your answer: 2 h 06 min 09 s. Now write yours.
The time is 8 h 24 min 25 s
